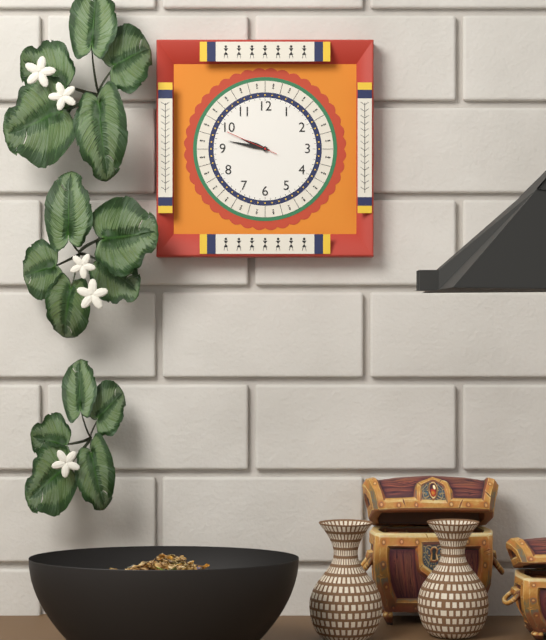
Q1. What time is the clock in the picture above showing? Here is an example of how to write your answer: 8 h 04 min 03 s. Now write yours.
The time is 9 h 47 min 49 s
